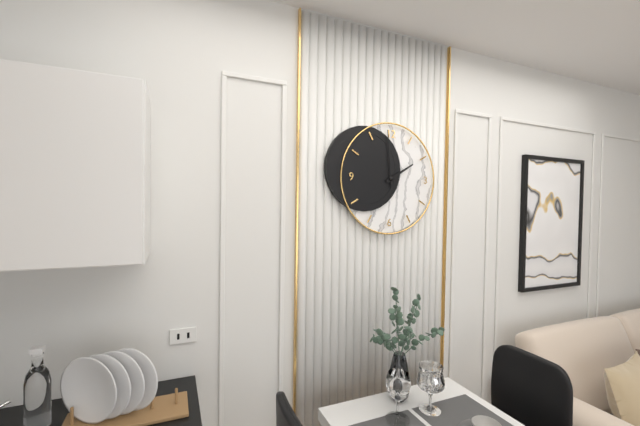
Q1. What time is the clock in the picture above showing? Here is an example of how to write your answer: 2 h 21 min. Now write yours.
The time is 1 h 59 min
